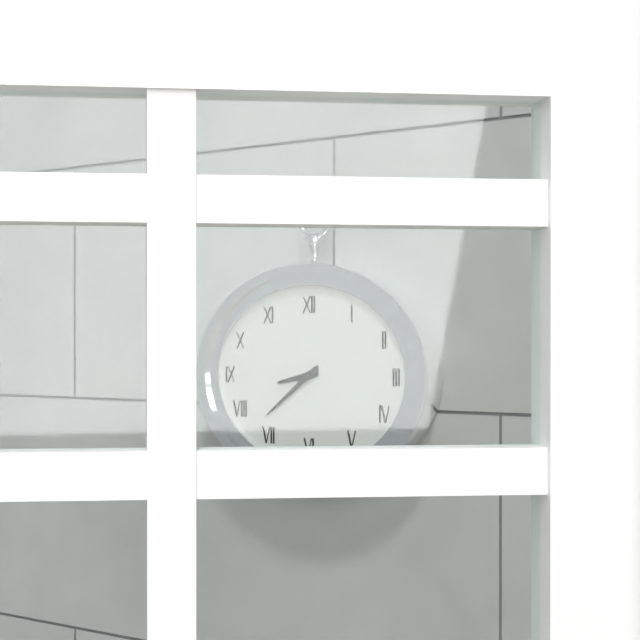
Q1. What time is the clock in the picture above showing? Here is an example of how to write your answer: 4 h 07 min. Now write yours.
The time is 8 h 39 min
